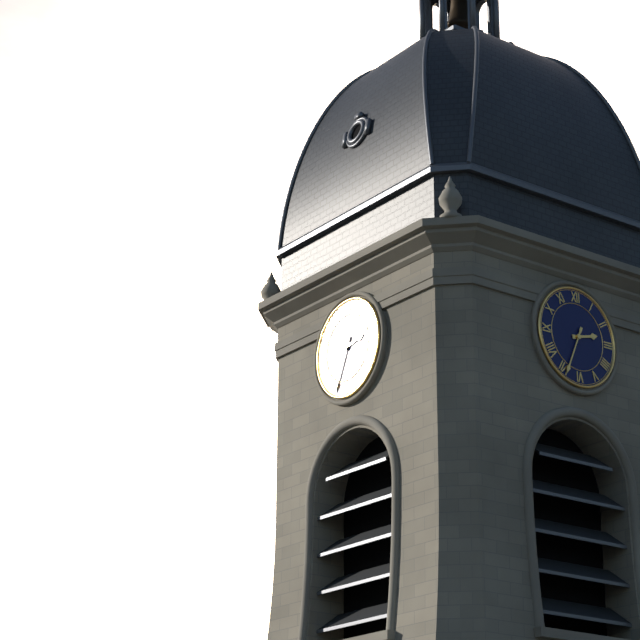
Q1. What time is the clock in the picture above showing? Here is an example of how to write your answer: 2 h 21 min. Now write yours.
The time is 2 h 34 min
